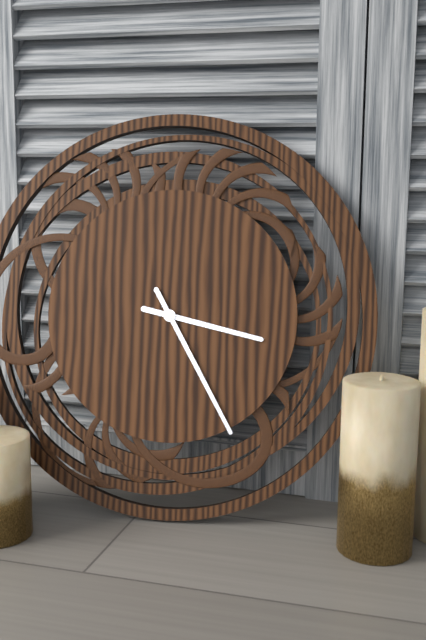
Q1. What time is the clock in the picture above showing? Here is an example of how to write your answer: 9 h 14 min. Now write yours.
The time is 3 h 25 min
